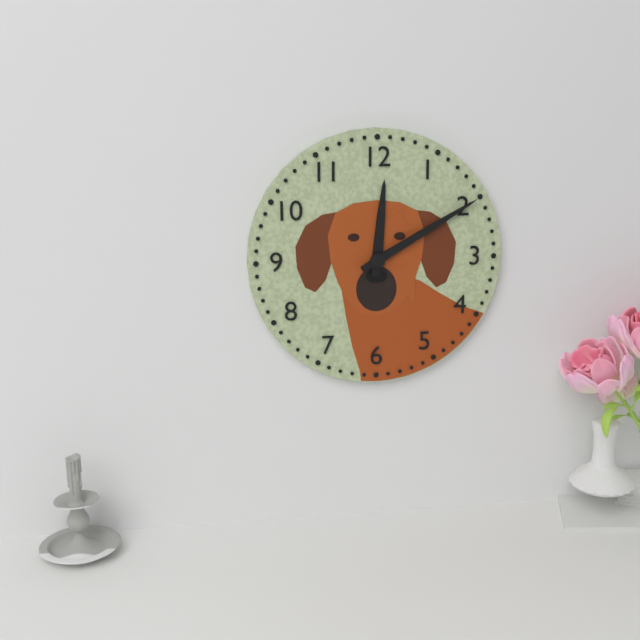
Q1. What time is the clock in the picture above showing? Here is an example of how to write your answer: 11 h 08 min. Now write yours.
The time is 12 h 10 min
